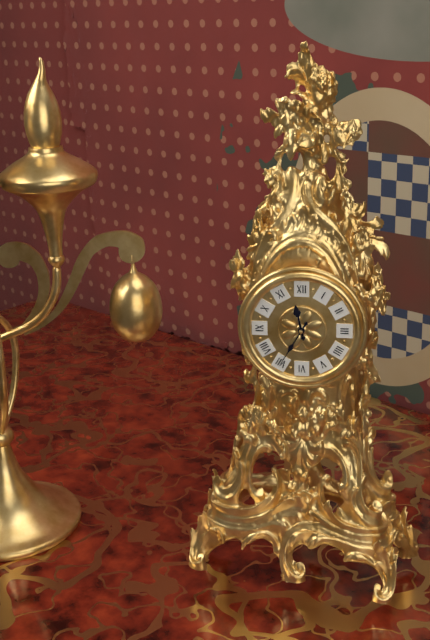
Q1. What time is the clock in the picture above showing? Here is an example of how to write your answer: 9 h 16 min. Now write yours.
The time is 11 h 35 min
